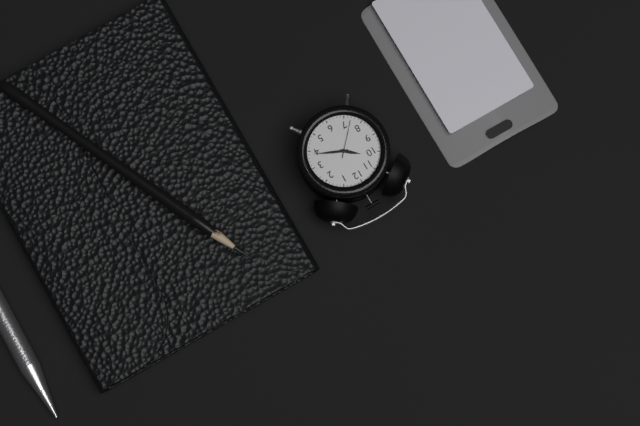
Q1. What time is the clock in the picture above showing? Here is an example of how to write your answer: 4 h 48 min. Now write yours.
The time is 10 h 19 min
